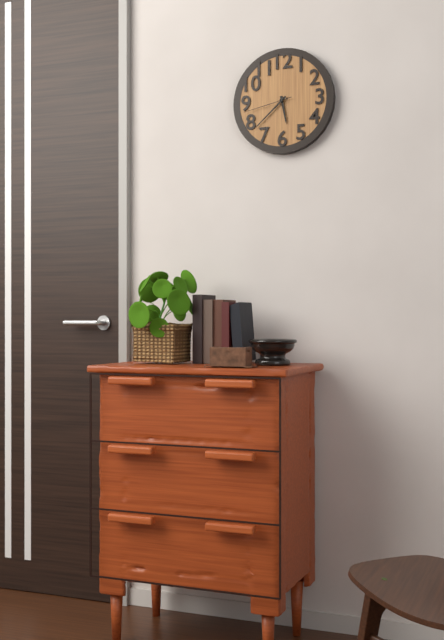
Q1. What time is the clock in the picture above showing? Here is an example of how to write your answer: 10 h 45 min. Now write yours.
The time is 5 h 38 min
